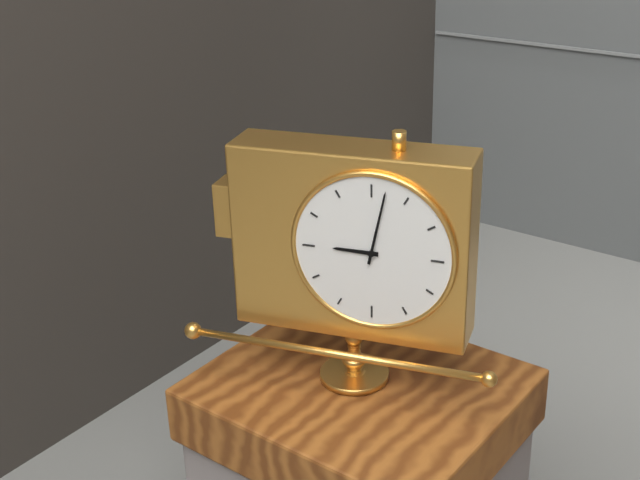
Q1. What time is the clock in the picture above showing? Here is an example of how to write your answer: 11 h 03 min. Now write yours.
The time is 9 h 02 min
